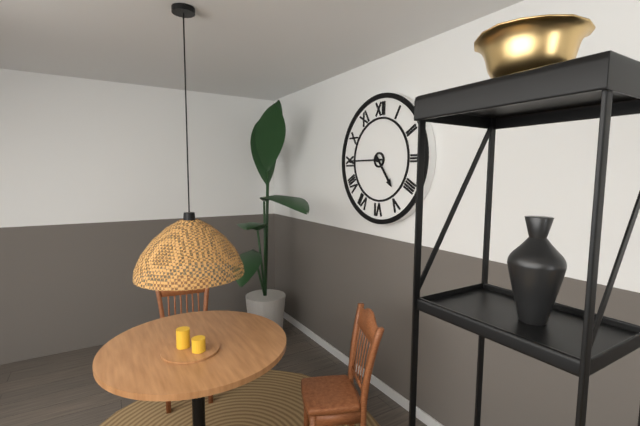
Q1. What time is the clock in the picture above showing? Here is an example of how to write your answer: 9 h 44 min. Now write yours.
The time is 4 h 45 min
